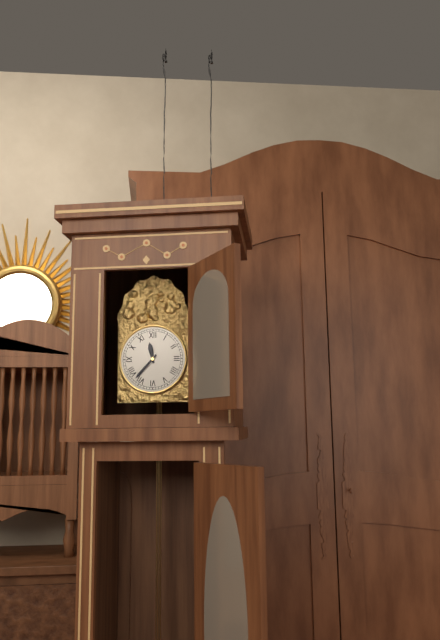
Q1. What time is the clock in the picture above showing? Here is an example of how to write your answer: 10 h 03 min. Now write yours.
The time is 11 h 37 min
